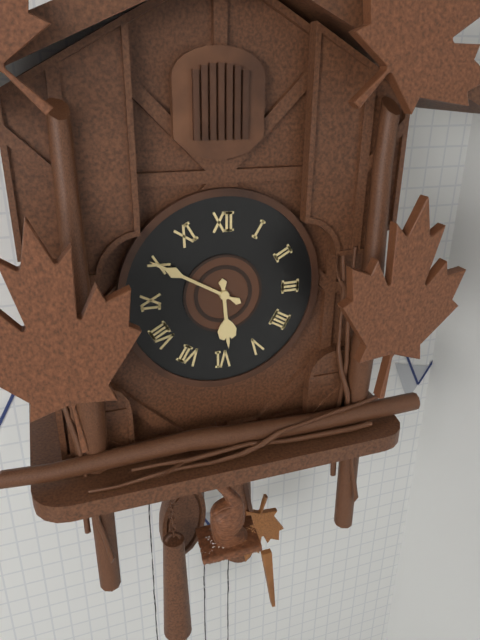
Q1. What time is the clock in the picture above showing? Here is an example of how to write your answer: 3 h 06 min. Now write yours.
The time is 5 h 50 min
